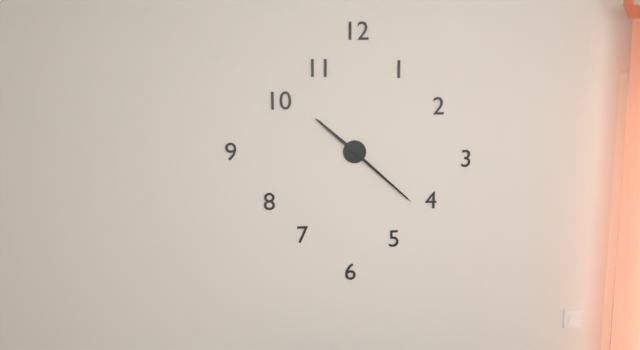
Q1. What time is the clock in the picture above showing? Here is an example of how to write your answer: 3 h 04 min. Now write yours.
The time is 10 h 22 min
